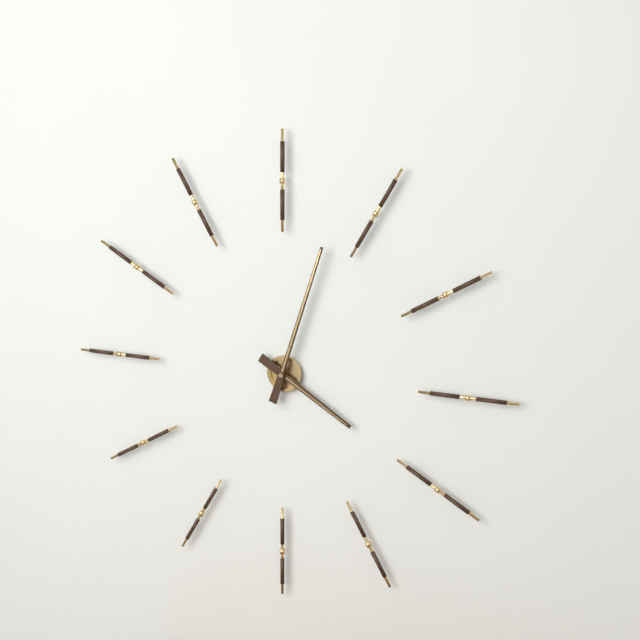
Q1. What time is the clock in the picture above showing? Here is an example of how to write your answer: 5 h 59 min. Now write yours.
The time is 4 h 03 min
